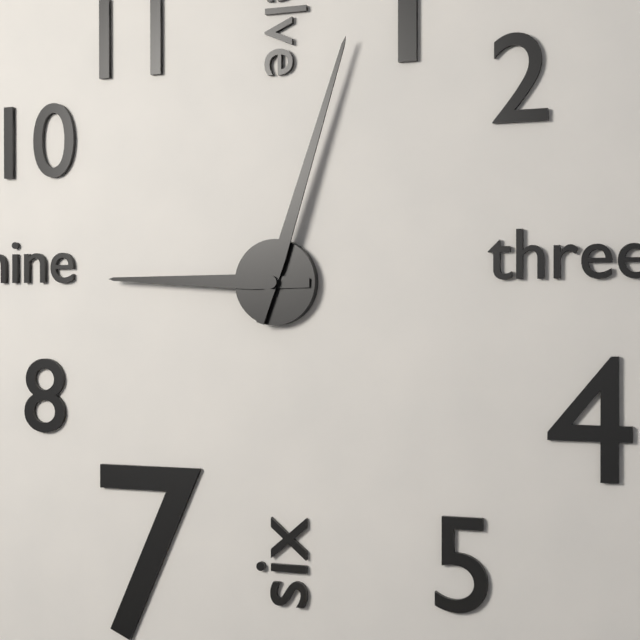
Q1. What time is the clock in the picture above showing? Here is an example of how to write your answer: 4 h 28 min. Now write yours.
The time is 9 h 03 min
